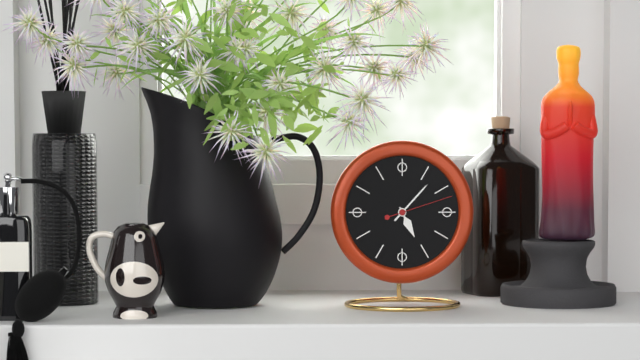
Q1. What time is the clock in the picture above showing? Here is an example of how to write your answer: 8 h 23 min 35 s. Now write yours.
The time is 5 h 07 min 12 s
